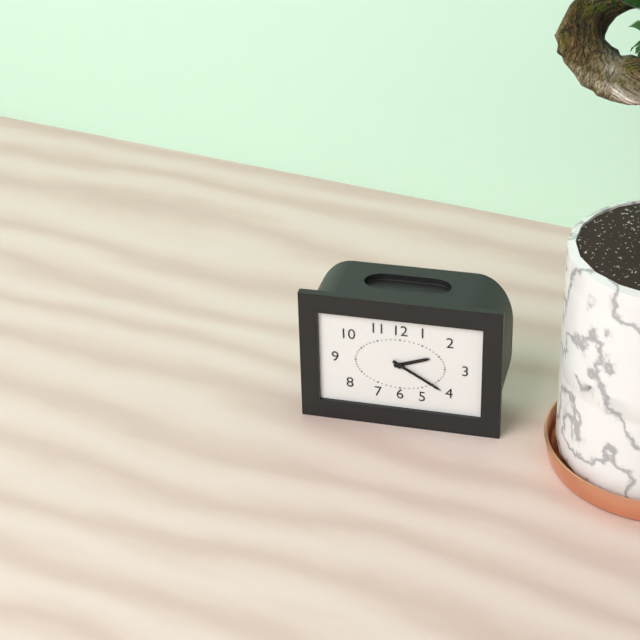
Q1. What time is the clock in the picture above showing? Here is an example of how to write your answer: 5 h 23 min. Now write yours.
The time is 2 h 20 min
